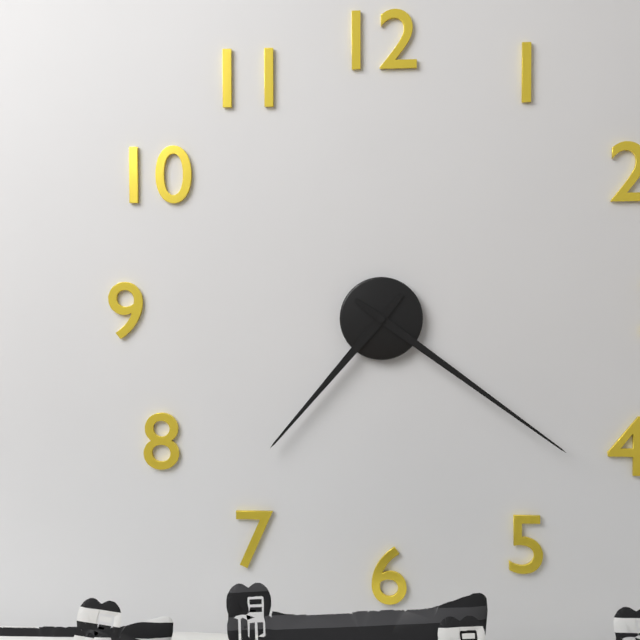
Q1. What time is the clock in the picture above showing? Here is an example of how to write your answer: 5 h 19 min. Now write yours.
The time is 7 h 21 min
